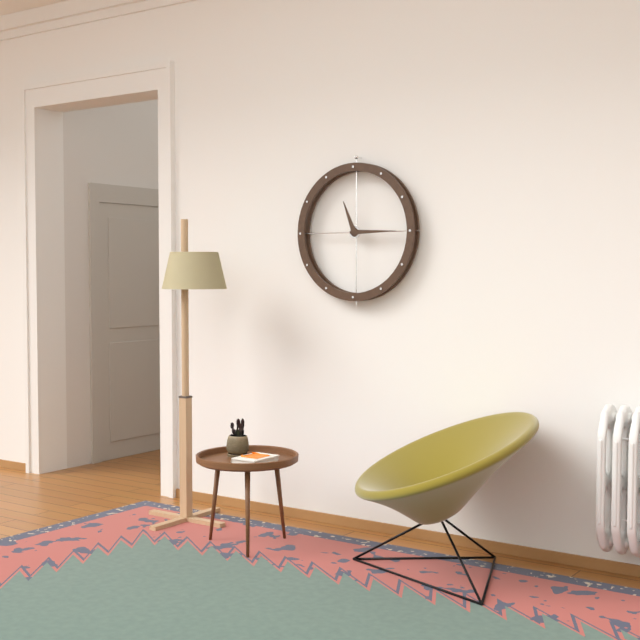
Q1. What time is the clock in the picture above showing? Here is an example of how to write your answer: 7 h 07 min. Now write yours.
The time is 11 h 15 min
